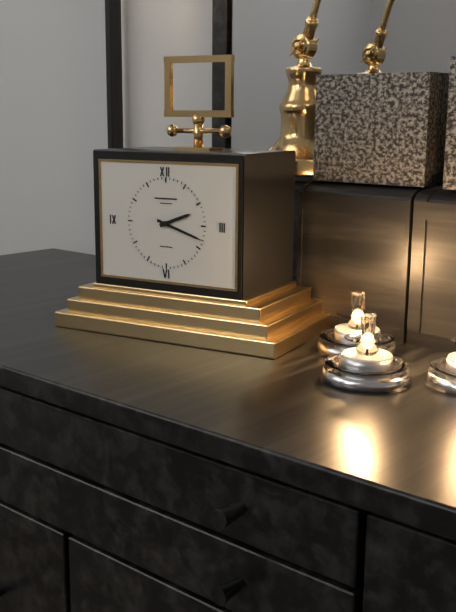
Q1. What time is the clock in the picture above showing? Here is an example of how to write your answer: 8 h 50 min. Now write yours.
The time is 2 h 18 min
